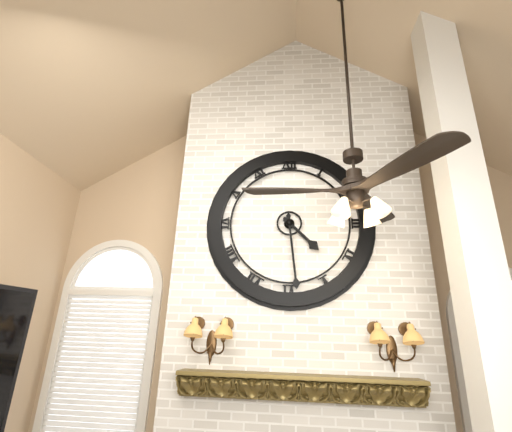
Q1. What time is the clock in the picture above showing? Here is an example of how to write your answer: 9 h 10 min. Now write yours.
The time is 4 h 29 min
